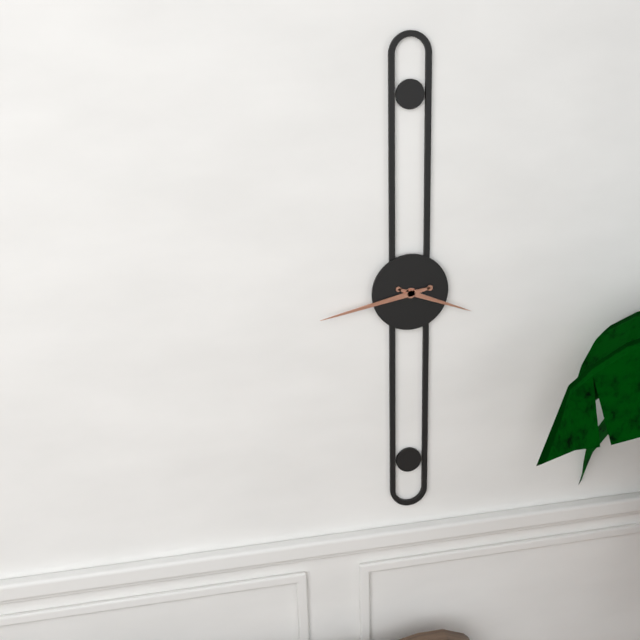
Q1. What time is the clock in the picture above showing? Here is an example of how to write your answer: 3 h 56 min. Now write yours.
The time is 3 h 43 min
